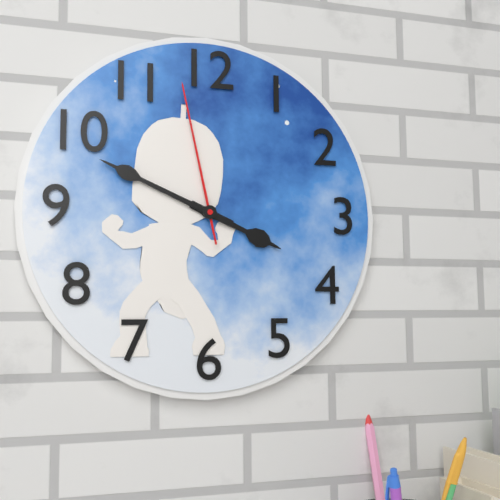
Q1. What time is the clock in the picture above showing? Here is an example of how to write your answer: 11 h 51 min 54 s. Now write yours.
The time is 3 h 49 min 58 s
